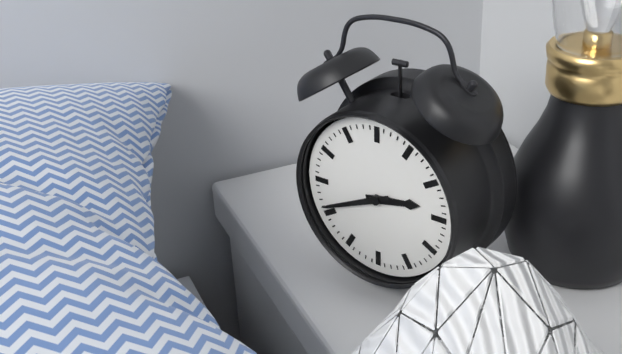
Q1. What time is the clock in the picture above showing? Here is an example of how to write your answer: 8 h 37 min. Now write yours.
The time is 2 h 41 min
